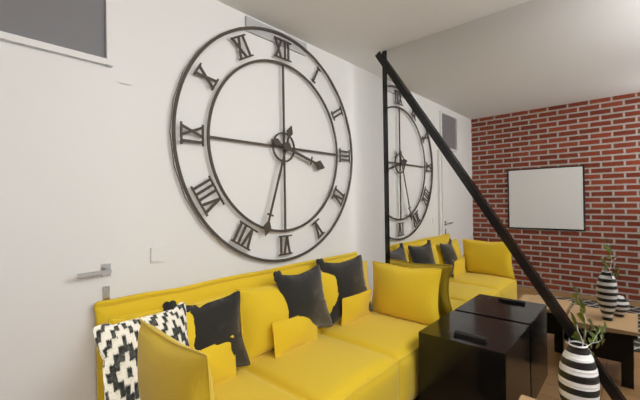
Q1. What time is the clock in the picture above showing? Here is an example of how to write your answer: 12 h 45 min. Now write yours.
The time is 3 h 33 min
